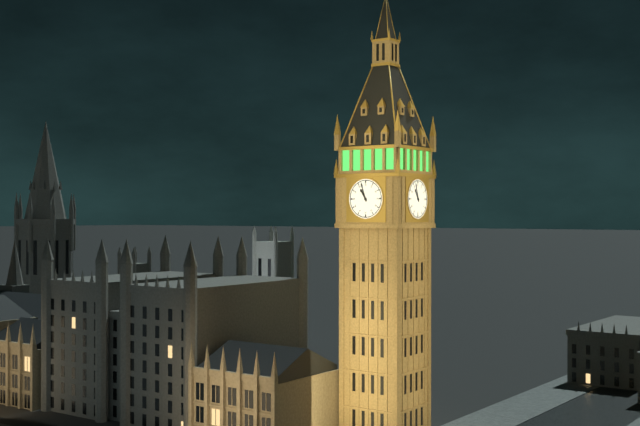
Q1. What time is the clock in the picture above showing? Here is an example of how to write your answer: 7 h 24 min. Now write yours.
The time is 10 h 57 min
